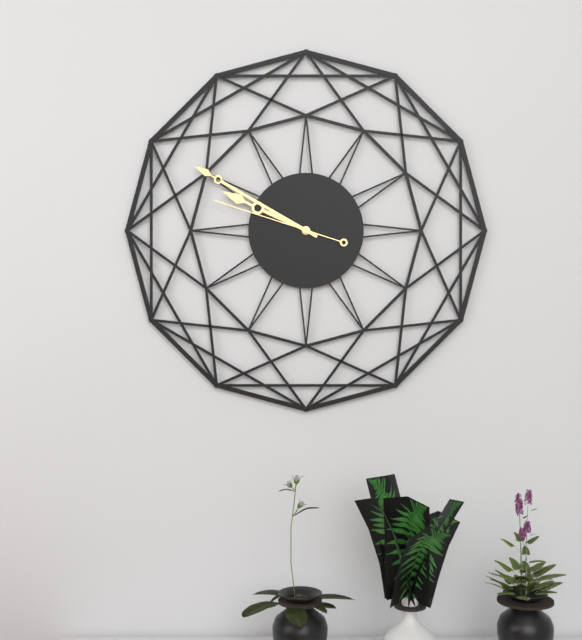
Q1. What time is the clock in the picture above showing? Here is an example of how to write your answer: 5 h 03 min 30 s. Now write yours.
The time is 9 h 50 min 48 s
